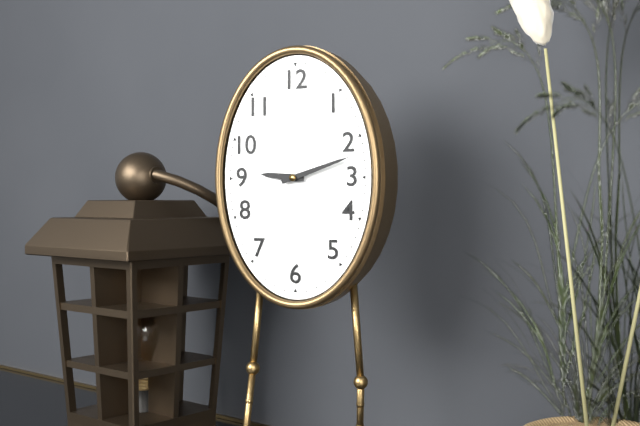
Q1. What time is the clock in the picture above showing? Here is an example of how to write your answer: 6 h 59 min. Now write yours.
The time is 9 h 12 min
